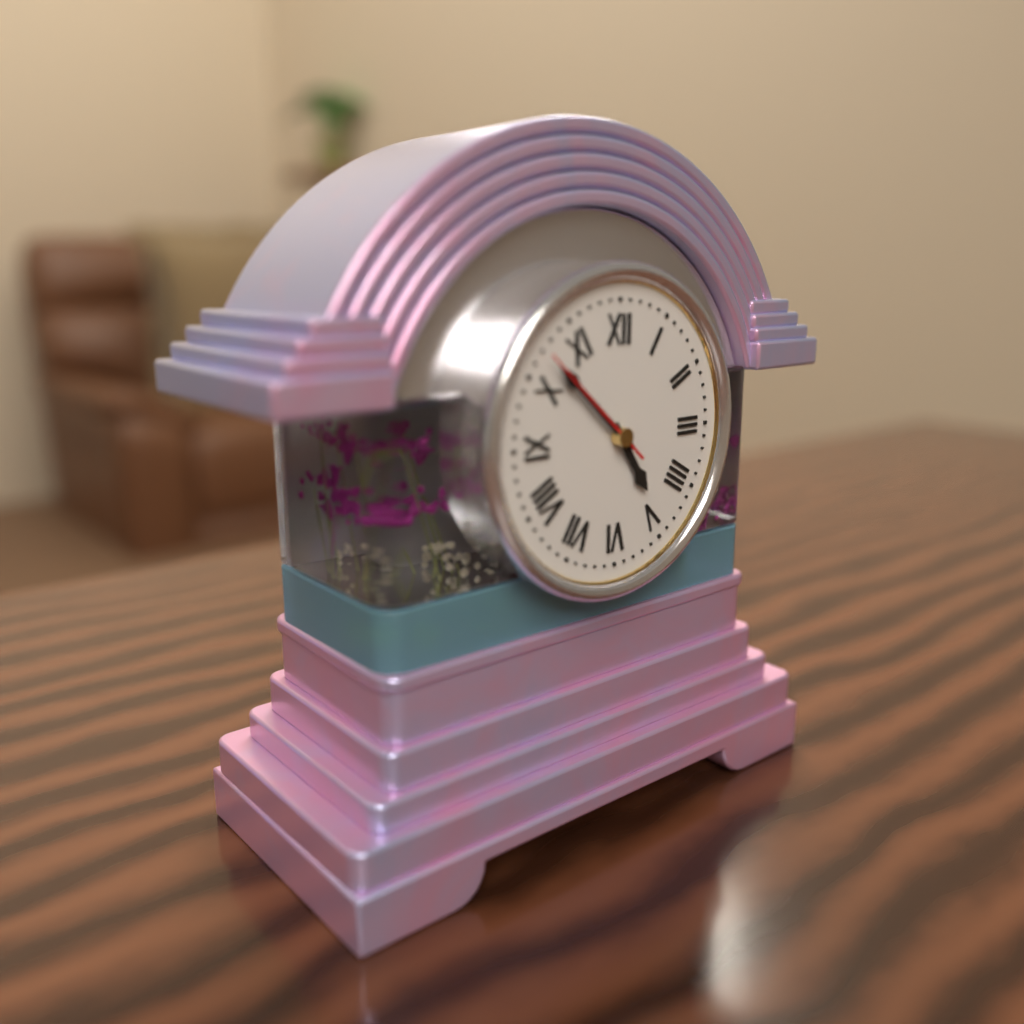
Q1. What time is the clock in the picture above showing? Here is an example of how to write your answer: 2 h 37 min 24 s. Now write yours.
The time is 4 h 52 min 52 s
